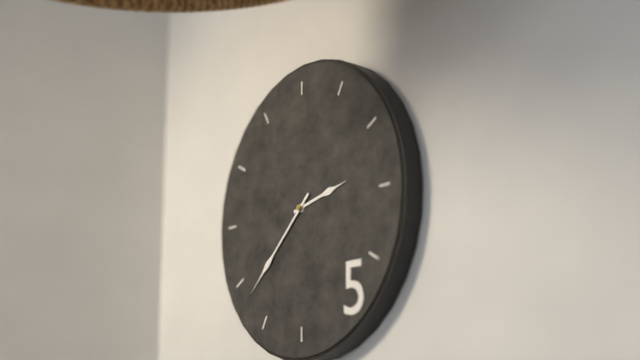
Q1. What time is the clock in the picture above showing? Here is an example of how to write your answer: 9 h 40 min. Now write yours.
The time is 2 h 38 min
